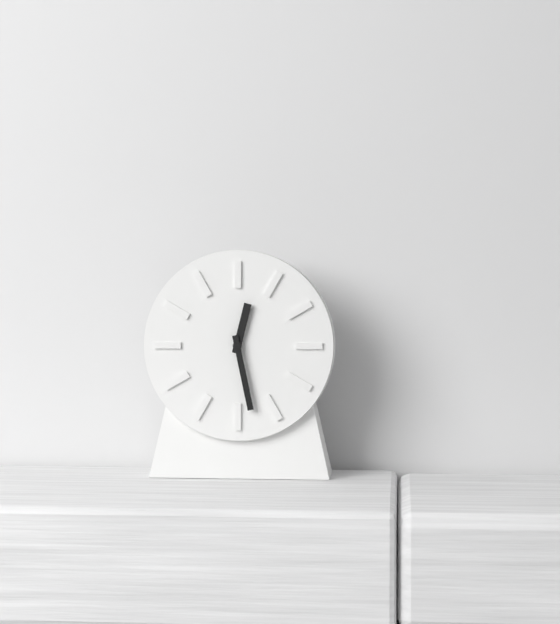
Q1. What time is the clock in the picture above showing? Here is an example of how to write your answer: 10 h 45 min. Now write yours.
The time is 12 h 28 min
